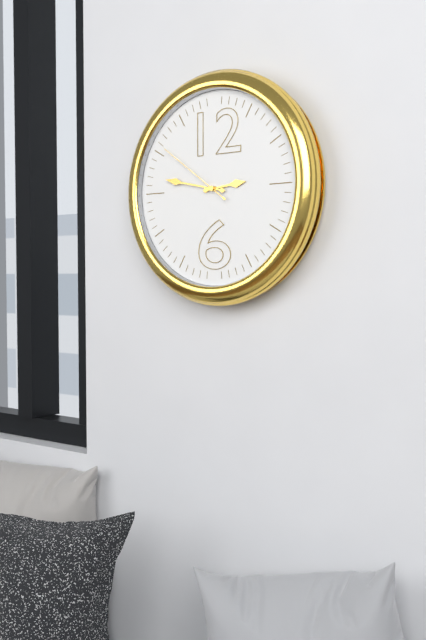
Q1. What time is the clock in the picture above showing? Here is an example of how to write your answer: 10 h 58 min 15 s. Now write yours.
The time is 2 h 47 min 51 s
